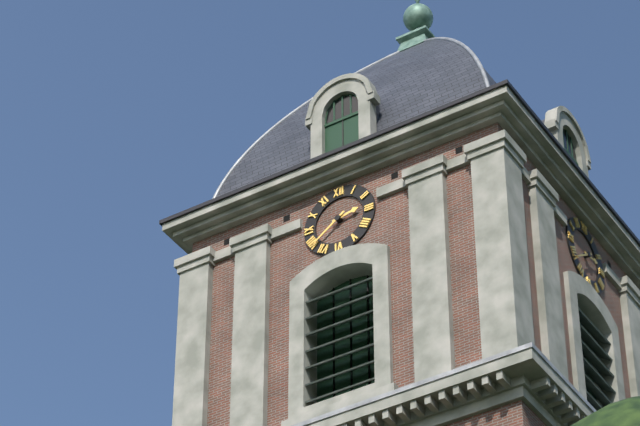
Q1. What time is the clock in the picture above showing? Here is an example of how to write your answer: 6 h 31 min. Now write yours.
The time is 2 h 39 min
